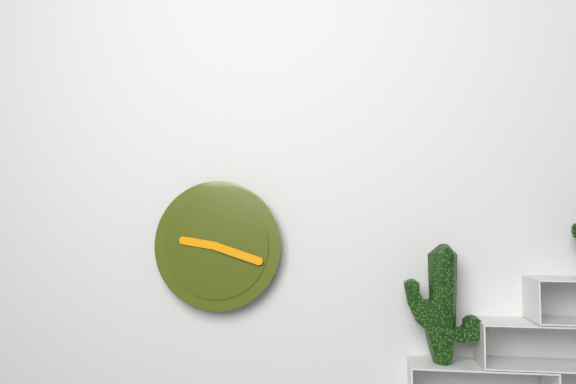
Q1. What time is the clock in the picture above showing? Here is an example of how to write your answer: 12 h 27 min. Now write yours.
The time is 9 h 18 min
